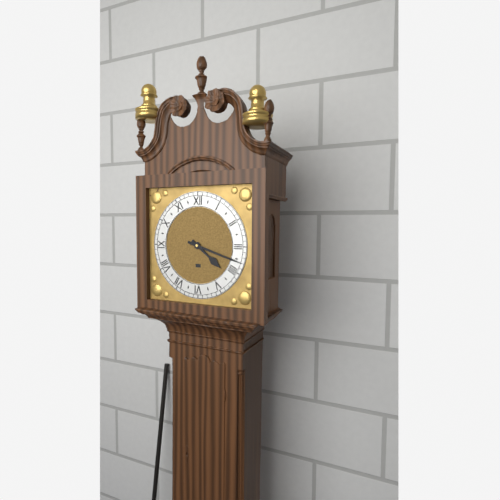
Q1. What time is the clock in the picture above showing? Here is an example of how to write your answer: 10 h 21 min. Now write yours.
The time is 4 h 18 min
